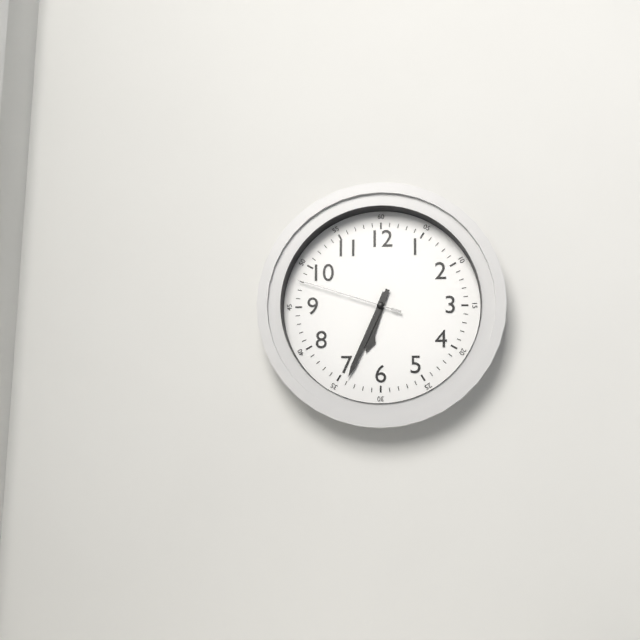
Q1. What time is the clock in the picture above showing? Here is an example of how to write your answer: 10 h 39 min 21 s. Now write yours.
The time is 6 h 34 min 48 s
